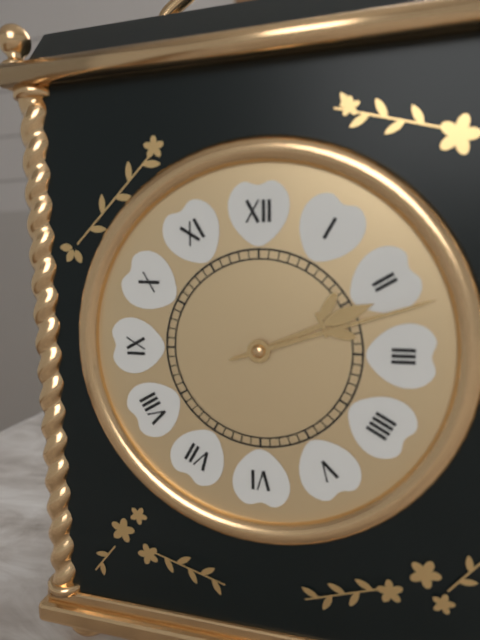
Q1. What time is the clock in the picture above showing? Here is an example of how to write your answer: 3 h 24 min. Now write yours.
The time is 2 h 12 min
